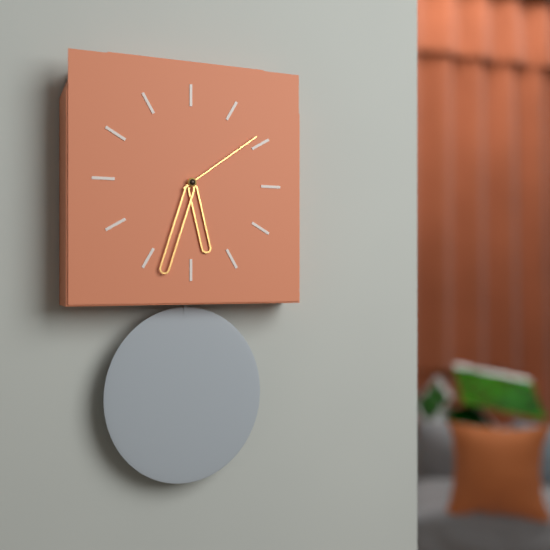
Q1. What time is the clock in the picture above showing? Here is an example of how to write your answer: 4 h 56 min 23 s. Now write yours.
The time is 5 h 33 min 09 s
